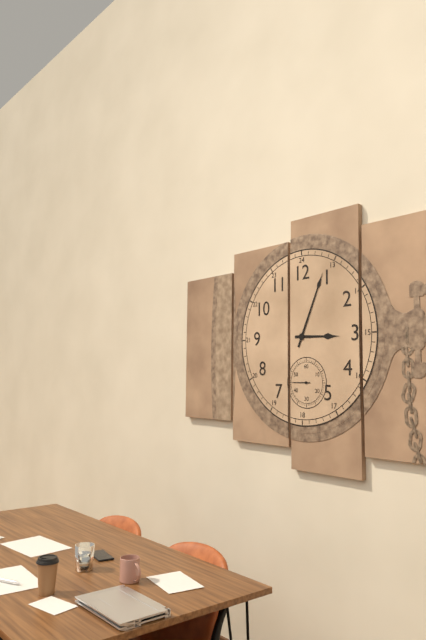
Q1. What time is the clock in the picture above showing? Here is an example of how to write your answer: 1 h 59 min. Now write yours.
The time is 3 h 04 min
